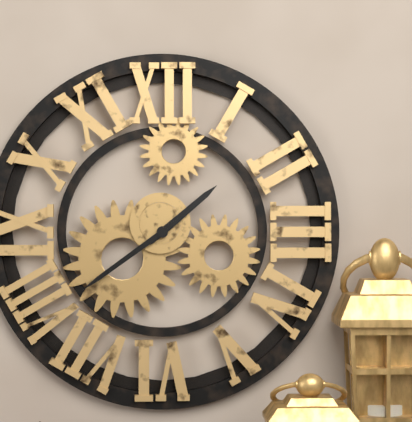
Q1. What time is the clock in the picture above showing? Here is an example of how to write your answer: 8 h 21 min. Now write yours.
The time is 1 h 39 min
